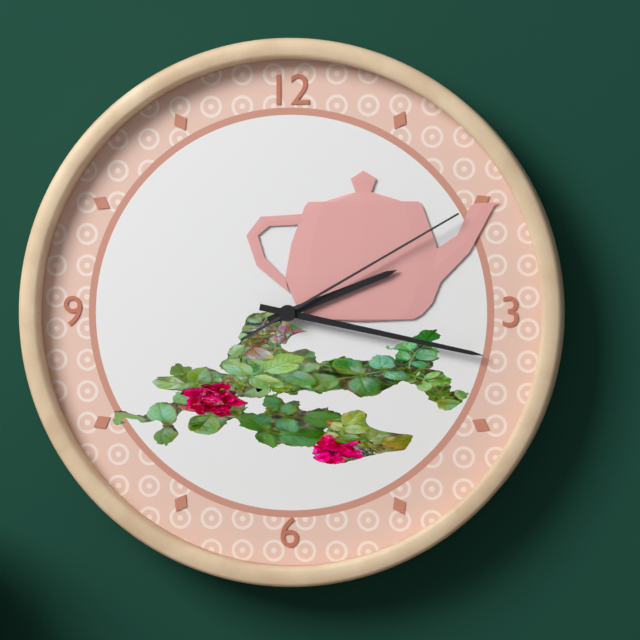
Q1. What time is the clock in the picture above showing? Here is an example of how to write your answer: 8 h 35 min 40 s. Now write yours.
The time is 2 h 17 min 10 s
